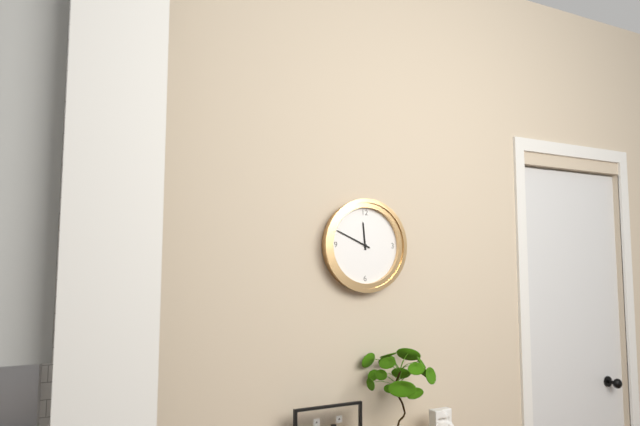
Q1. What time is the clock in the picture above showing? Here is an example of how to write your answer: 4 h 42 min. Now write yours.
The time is 11 h 49 min
